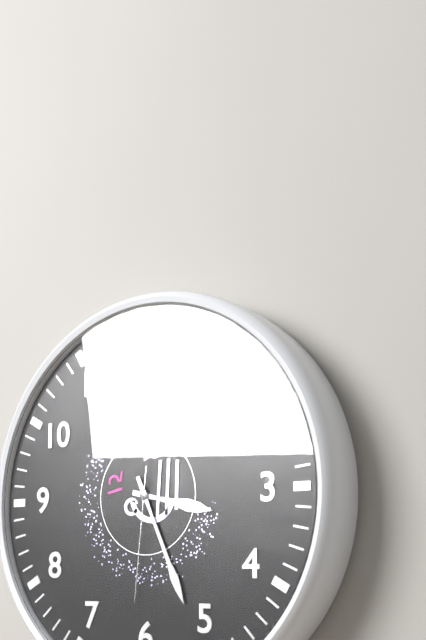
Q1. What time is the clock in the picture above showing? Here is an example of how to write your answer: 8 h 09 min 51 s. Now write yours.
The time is 3 h 26 min 31 s
